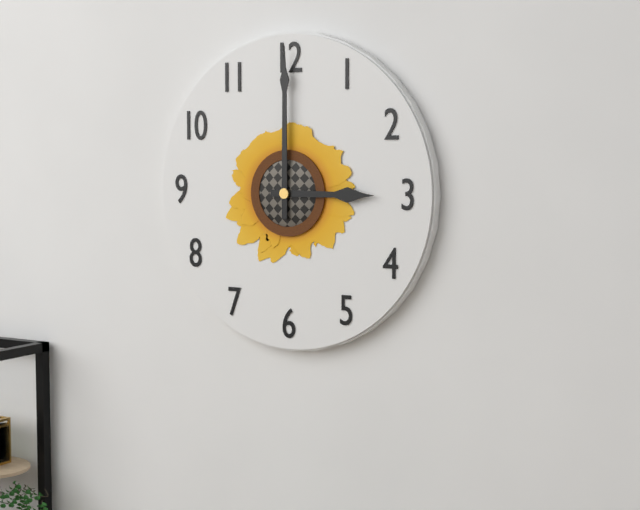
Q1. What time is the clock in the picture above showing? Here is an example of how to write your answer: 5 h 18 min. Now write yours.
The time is 3 h 00 min
